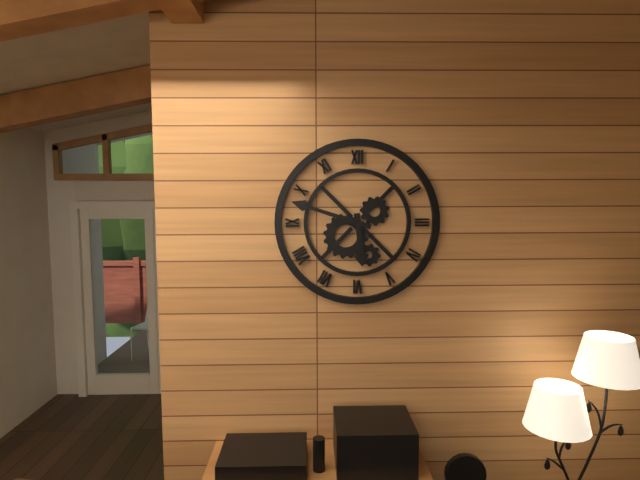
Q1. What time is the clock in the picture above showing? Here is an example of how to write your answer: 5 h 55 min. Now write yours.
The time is 5 h 48 min
